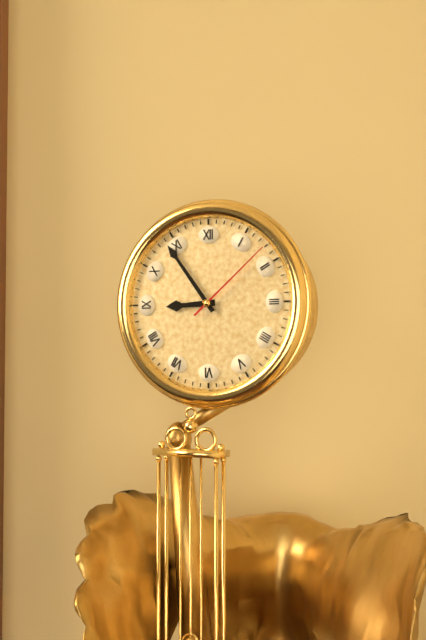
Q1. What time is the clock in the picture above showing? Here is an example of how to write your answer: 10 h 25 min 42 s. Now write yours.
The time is 8 h 54 min 08 s
